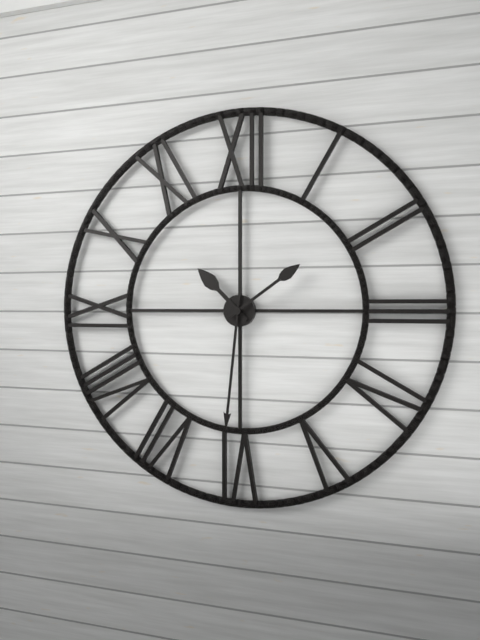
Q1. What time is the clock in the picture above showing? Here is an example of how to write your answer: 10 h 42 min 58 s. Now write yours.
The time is 10 h 31 min 09 s
